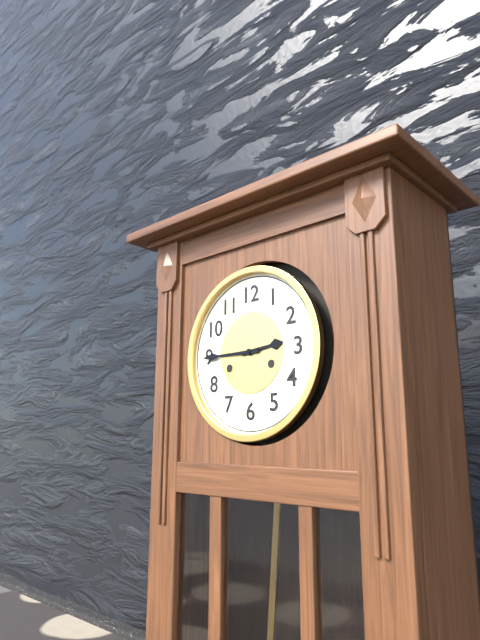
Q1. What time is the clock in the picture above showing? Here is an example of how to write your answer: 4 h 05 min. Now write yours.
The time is 2 h 45 min
